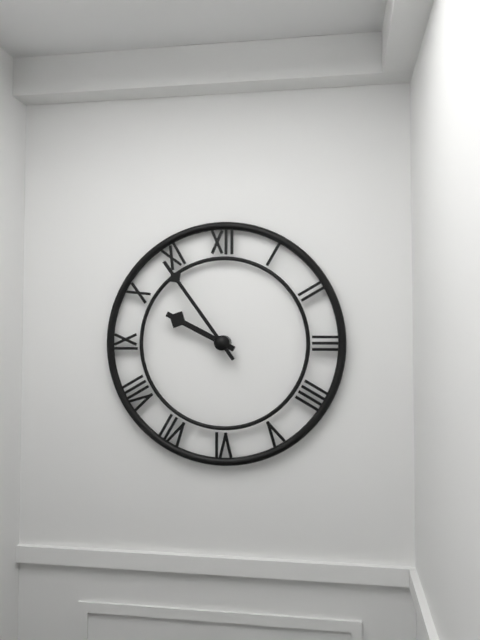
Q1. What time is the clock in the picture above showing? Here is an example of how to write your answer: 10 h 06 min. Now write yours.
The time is 9 h 54 min
